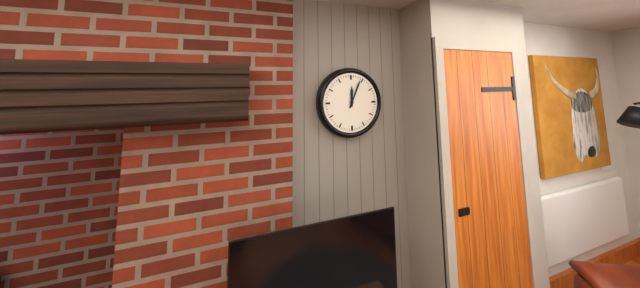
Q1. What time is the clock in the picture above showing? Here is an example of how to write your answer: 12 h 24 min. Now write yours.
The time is 12 h 04 min
